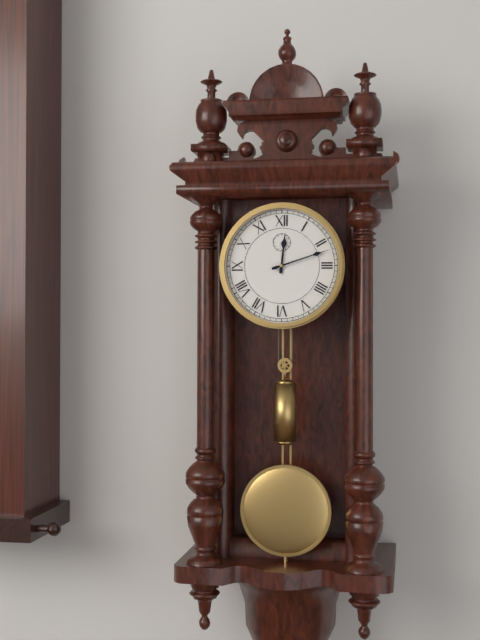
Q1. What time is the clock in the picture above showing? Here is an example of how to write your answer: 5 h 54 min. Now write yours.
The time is 12 h 12 min
